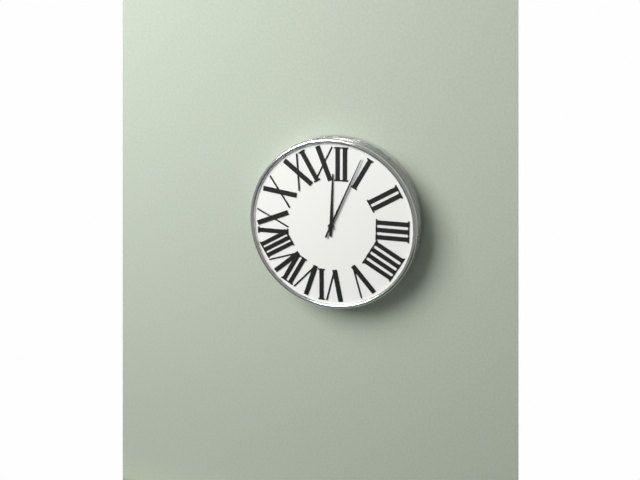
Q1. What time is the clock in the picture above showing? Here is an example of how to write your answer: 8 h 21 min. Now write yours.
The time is 12 h 04 min
